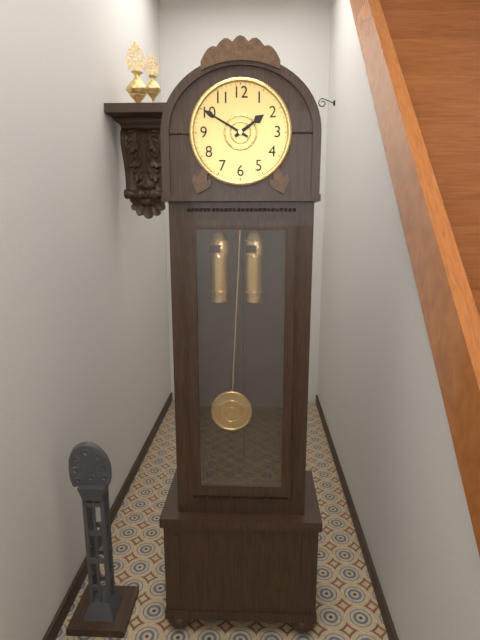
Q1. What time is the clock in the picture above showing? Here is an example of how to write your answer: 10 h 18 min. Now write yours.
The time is 1 h 50 min
